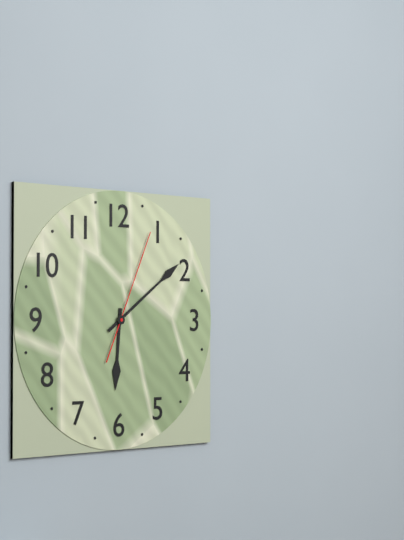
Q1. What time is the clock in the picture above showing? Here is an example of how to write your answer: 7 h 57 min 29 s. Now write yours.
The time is 6 h 09 min 04 s
